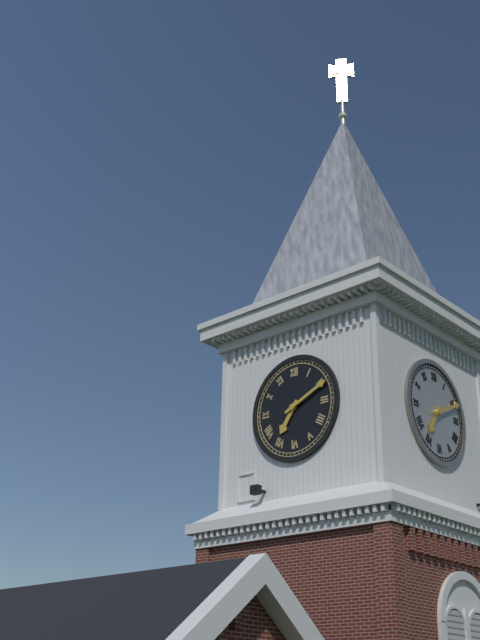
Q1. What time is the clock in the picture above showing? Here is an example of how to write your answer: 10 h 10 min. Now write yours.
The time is 7 h 11 min
